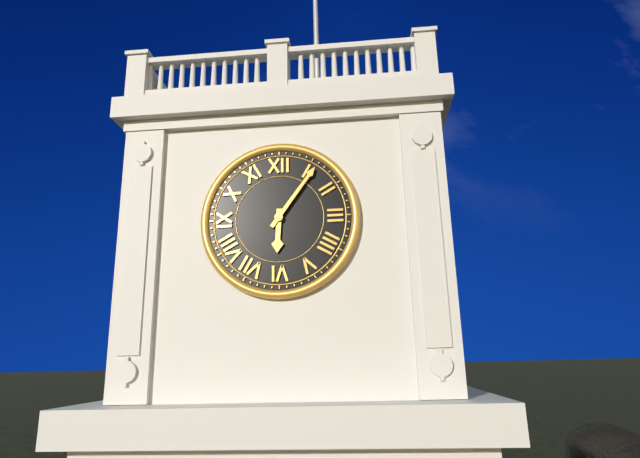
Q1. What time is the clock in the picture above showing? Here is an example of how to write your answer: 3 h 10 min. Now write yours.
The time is 6 h 06 min
